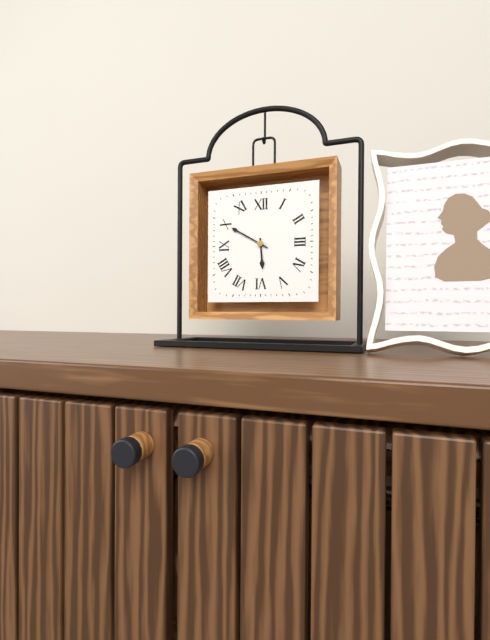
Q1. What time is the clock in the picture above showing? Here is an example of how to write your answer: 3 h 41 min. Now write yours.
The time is 5 h 50 min
